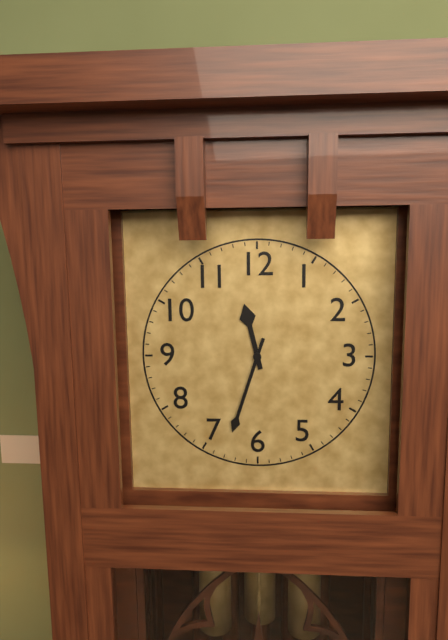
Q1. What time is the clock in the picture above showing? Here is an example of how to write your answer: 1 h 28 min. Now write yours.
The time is 11 h 33 min
